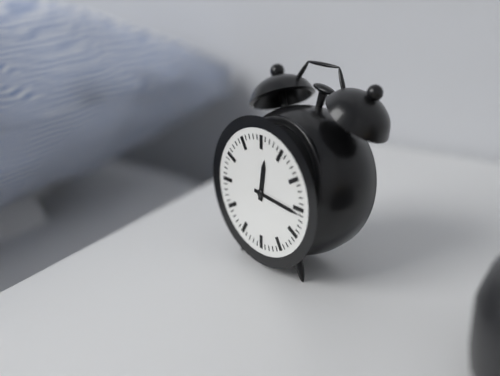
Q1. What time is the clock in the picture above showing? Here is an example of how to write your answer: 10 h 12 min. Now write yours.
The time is 12 h 16 min
